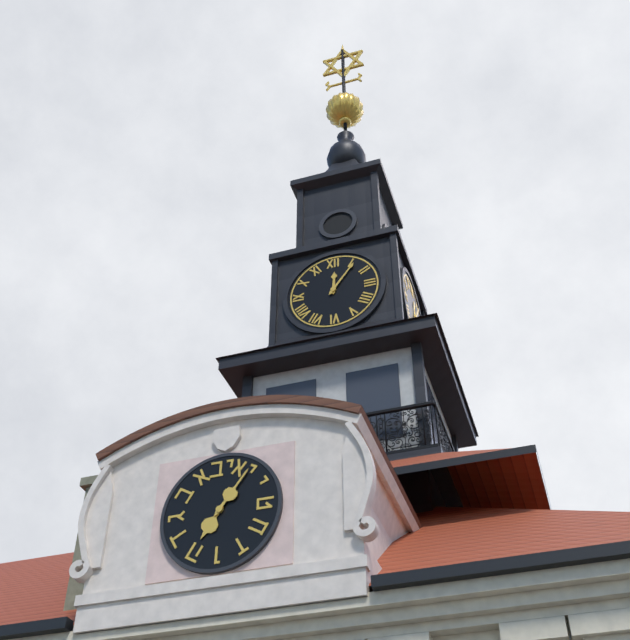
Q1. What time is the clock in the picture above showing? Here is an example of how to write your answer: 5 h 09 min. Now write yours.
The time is 12 h 06 min
